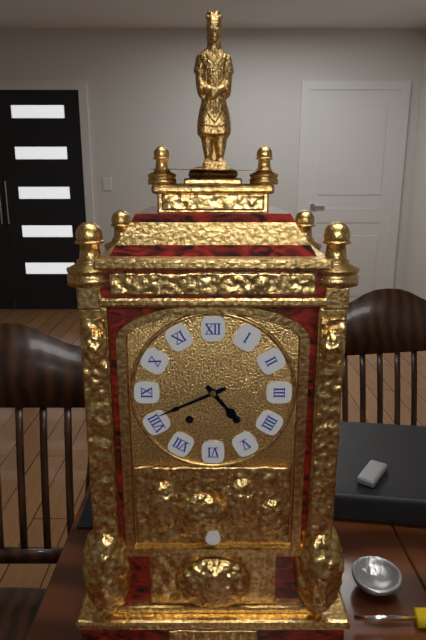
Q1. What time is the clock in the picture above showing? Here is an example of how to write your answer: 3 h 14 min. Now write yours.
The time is 4 h 41 min
